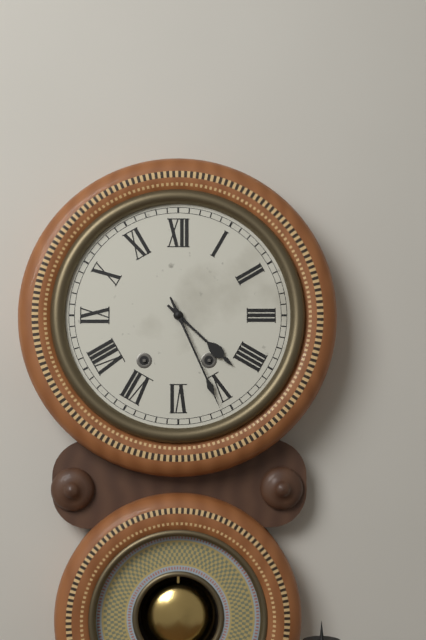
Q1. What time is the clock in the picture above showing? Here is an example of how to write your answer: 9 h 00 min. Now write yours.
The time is 4 h 26 min
